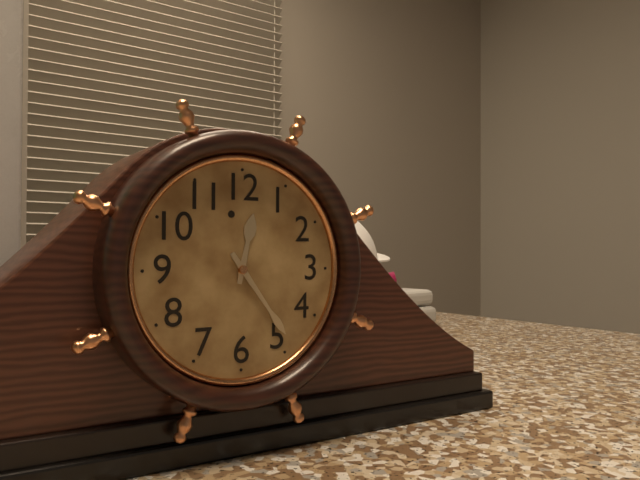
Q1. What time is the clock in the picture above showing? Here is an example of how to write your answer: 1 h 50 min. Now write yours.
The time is 12 h 24 min
